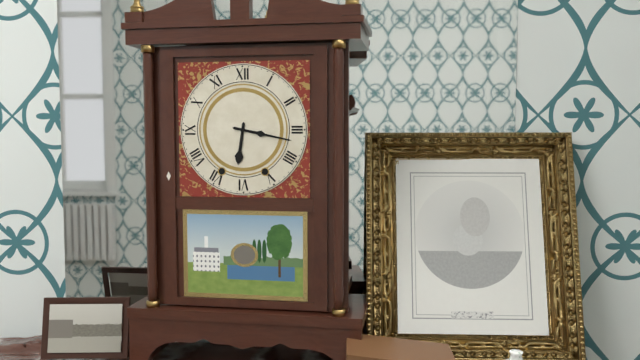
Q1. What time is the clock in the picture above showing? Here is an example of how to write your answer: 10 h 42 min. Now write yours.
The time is 6 h 17 min
